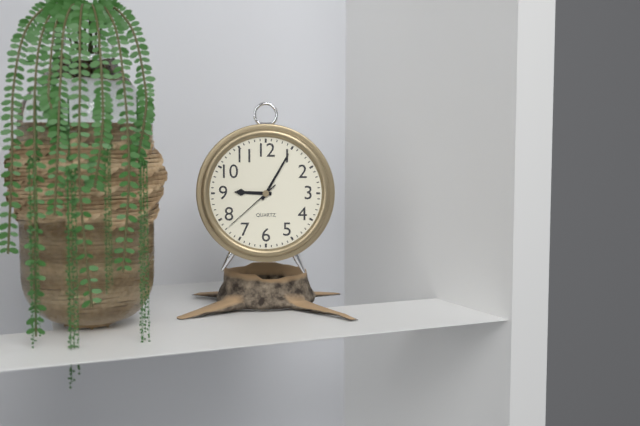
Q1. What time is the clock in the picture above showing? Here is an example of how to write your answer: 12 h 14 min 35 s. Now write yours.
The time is 9 h 05 min 38 s
